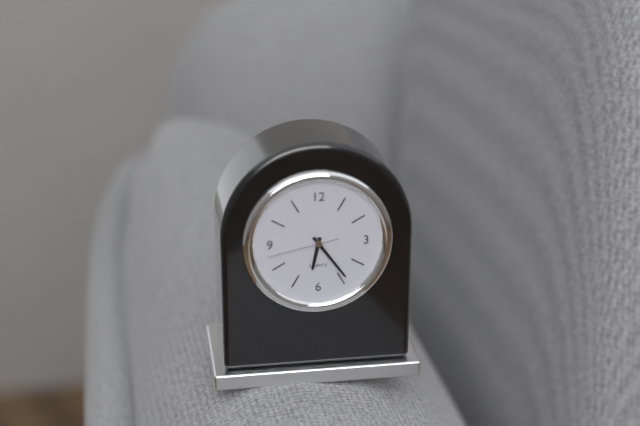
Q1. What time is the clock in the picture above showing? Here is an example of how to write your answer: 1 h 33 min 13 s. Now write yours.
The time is 6 h 24 min 43 s
